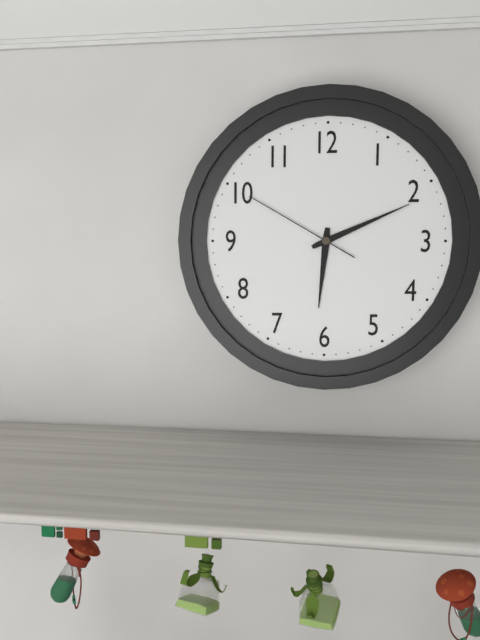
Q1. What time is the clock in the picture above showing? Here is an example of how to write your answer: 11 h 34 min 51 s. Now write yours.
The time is 6 h 11 min 50 s
